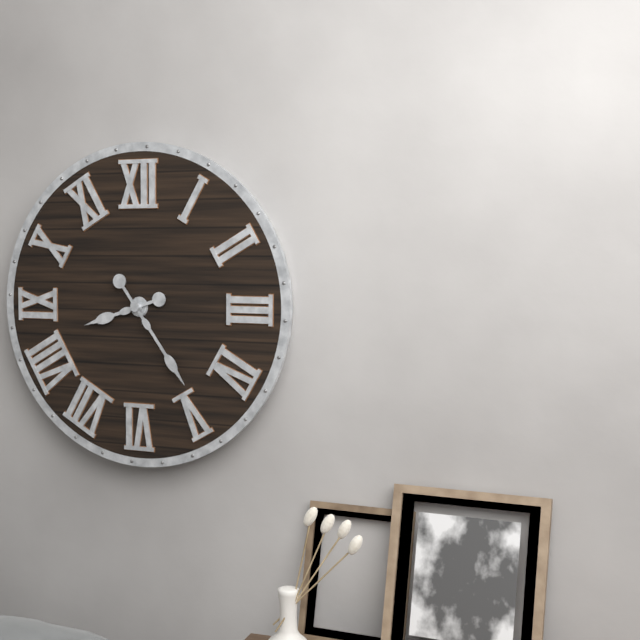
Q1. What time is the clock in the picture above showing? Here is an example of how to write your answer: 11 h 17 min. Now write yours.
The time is 8 h 24 min
